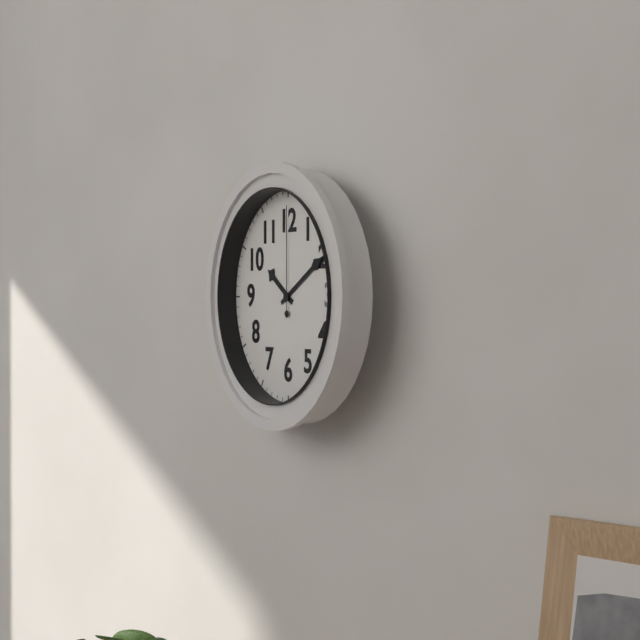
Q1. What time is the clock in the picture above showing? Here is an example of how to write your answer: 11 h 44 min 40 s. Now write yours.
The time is 10 h 10 min 00 s
